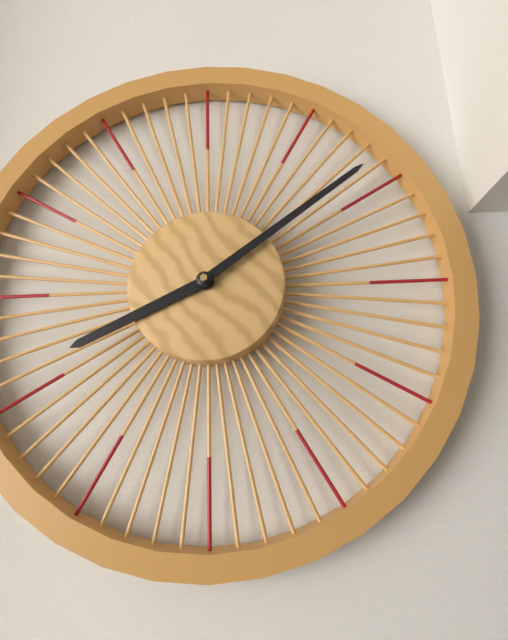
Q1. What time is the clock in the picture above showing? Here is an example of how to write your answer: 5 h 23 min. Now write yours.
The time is 8 h 09 min
